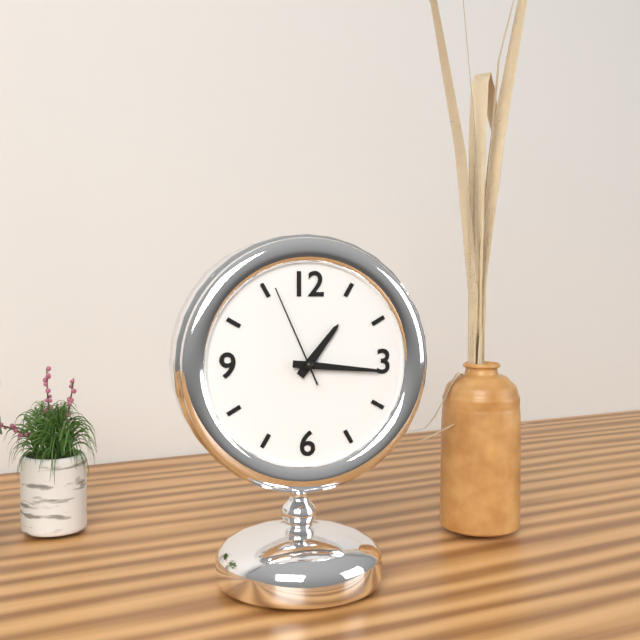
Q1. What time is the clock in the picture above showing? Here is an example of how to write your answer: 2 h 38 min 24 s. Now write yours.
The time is 1 h 16 min 56 s
